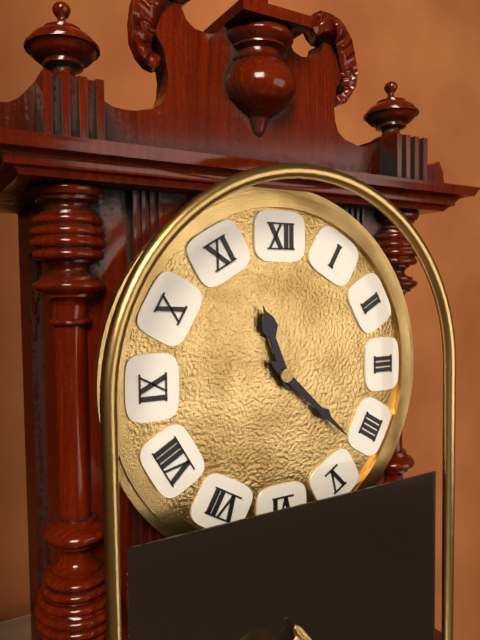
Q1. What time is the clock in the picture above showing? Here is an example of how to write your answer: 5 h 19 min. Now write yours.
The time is 11 h 22 min
